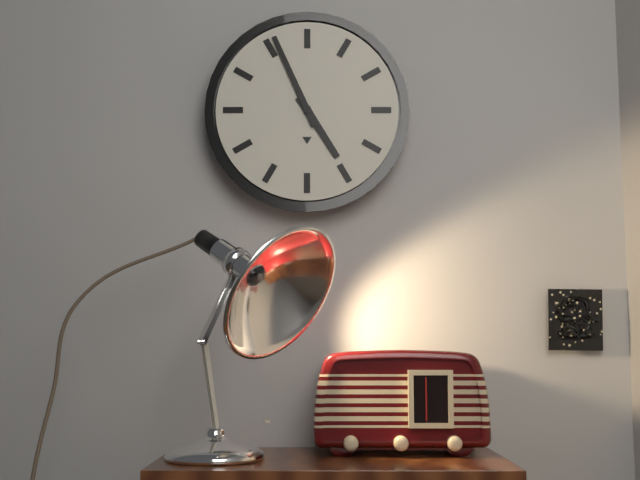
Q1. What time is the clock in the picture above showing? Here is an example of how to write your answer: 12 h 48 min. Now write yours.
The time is 4 h 56 min
